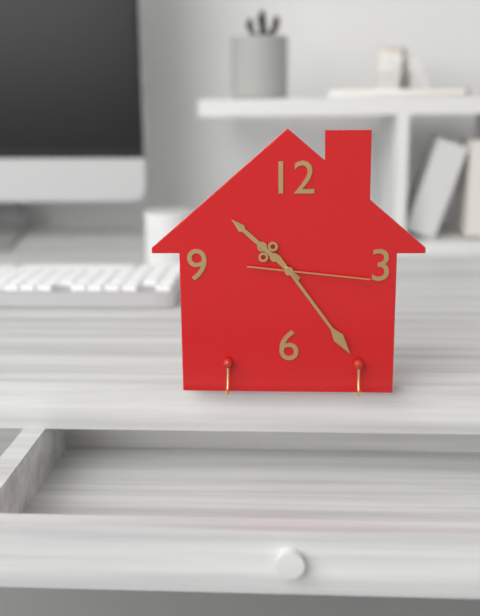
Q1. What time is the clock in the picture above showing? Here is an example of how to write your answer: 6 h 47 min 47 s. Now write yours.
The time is 10 h 24 min 16 s
